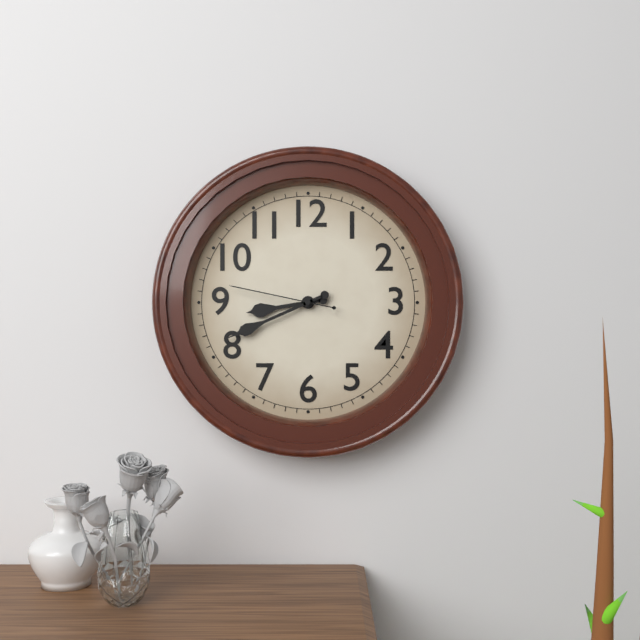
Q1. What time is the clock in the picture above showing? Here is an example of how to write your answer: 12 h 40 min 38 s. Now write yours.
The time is 8 h 41 min 47 s
